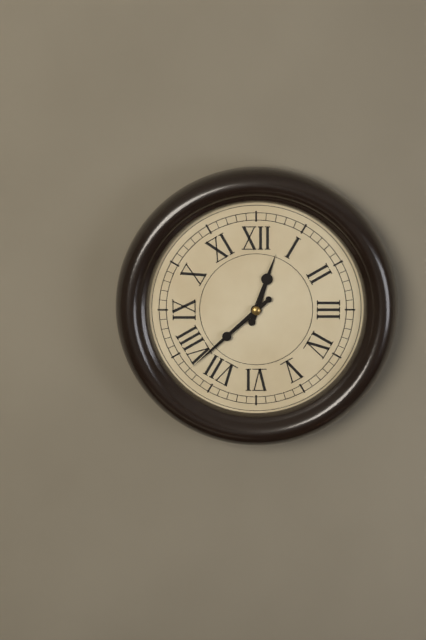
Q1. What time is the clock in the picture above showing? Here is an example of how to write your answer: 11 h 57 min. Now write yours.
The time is 12 h 38 min
